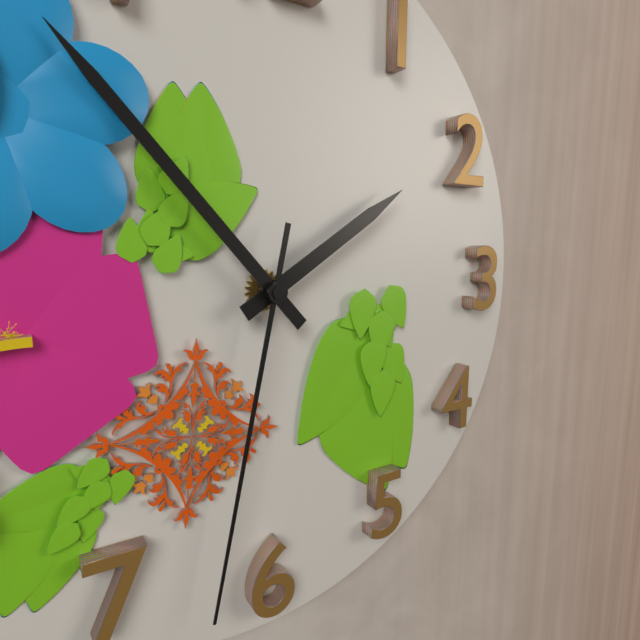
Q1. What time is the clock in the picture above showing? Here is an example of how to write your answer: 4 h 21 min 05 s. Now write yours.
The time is 1 h 53 min 32 s
